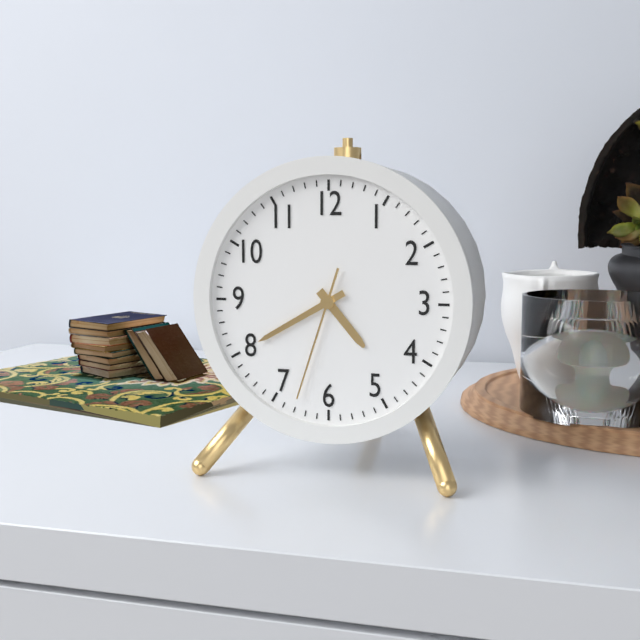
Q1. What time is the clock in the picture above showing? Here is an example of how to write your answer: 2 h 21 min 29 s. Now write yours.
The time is 4 h 40 min 33 s
